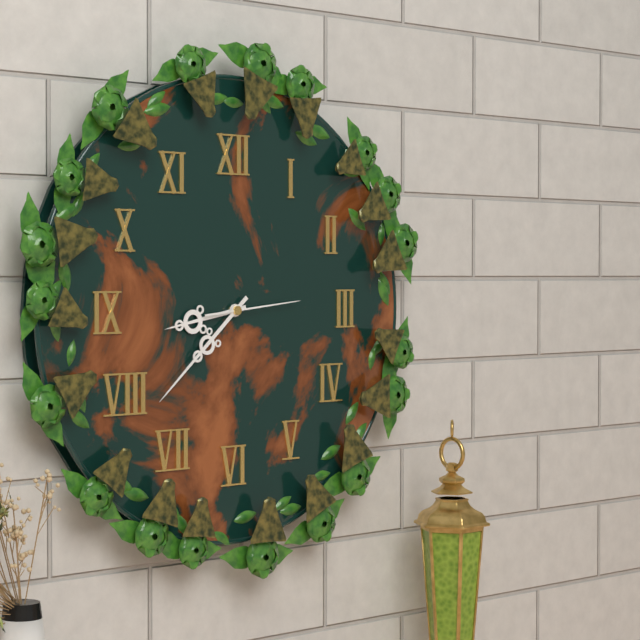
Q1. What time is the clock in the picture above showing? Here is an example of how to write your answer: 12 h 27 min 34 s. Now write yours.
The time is 8 h 38 min 14 s
